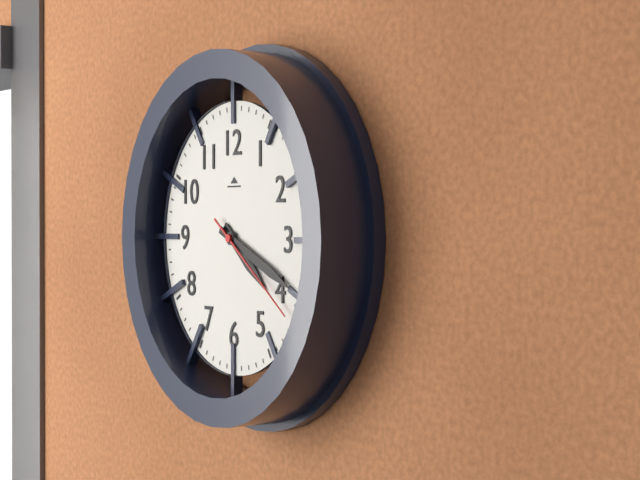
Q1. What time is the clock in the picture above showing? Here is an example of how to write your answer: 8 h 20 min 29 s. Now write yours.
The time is 4 h 19 min 21 s
